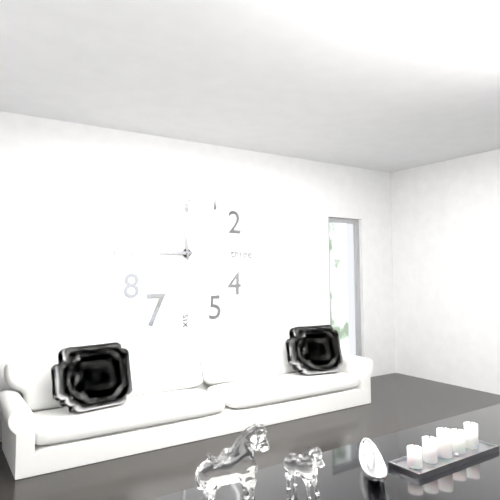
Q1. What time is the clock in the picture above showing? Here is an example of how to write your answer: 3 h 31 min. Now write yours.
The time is 8 h 59 min
